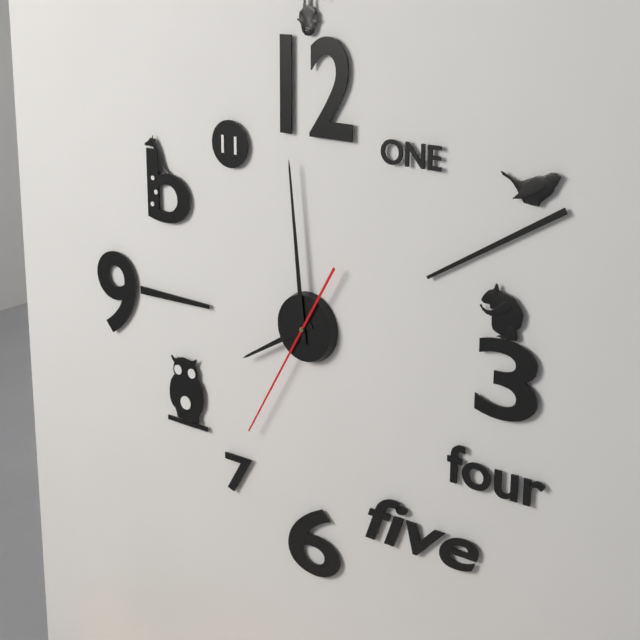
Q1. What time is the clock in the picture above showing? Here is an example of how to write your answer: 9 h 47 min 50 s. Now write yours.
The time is 7 h 59 min 35 s
